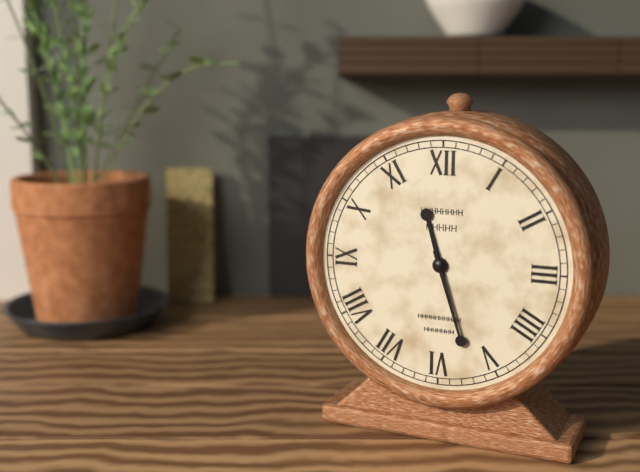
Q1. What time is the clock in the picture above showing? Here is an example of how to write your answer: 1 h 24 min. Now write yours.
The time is 11 h 27 min
